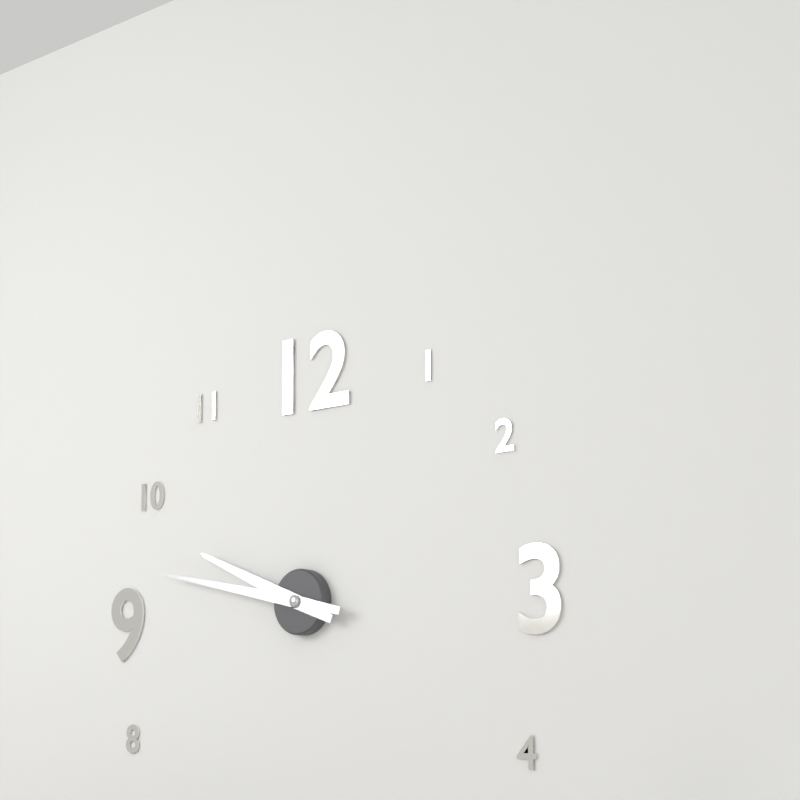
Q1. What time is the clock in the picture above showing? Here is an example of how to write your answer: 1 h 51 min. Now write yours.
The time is 9 h 47 min
